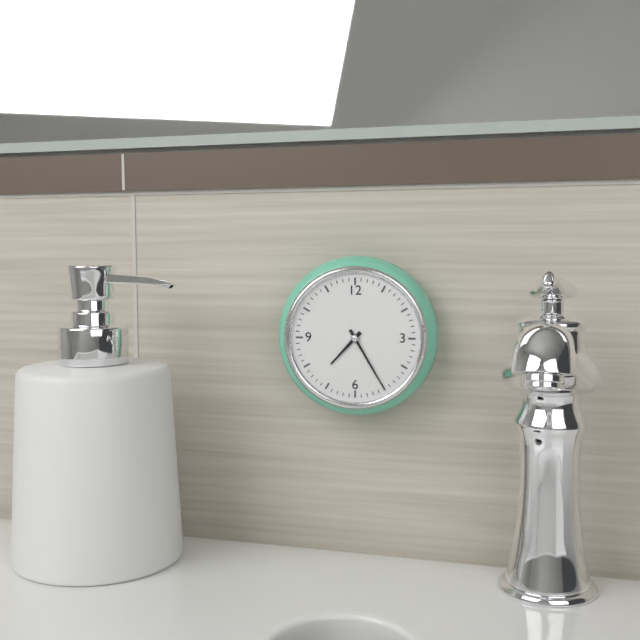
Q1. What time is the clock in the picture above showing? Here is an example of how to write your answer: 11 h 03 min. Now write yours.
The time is 7 h 25 min
